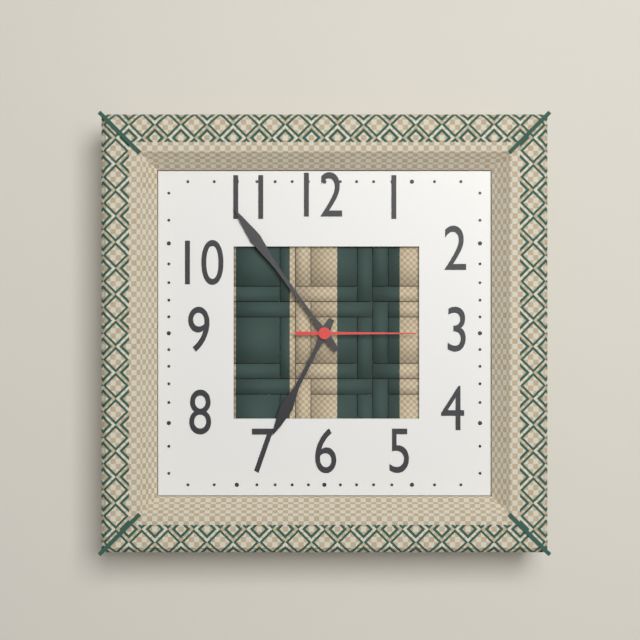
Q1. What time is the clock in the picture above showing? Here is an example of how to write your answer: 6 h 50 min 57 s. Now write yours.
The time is 6 h 54 min 15 s
